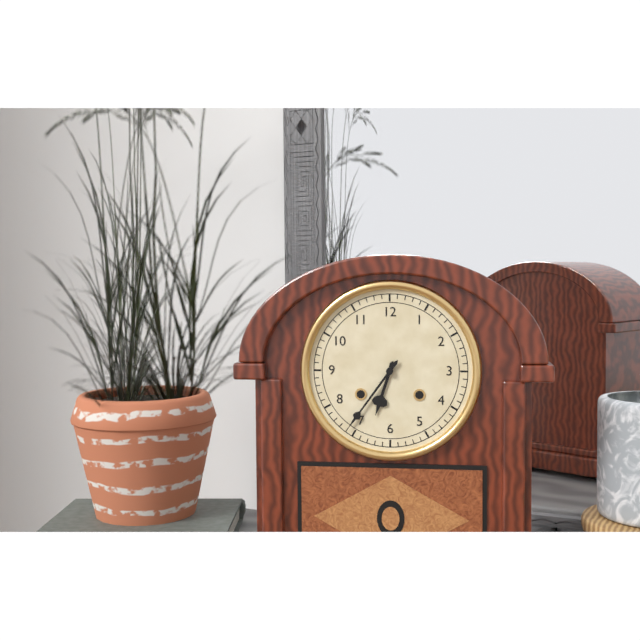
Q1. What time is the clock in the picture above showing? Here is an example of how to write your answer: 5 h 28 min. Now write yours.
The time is 6 h 36 min
